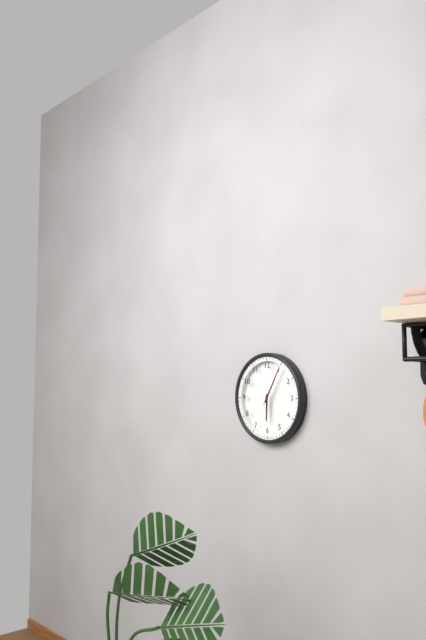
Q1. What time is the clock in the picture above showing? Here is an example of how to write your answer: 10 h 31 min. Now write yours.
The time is 6 h 05 min
